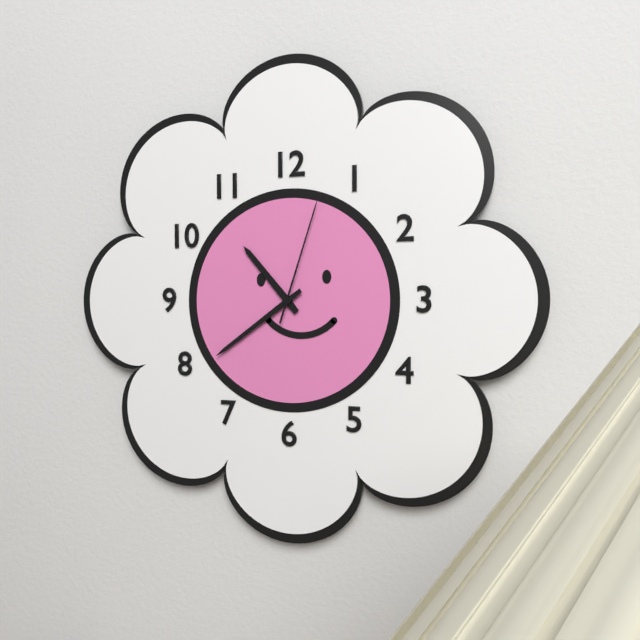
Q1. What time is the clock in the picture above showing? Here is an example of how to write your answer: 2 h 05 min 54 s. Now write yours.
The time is 10 h 39 min 03 s
